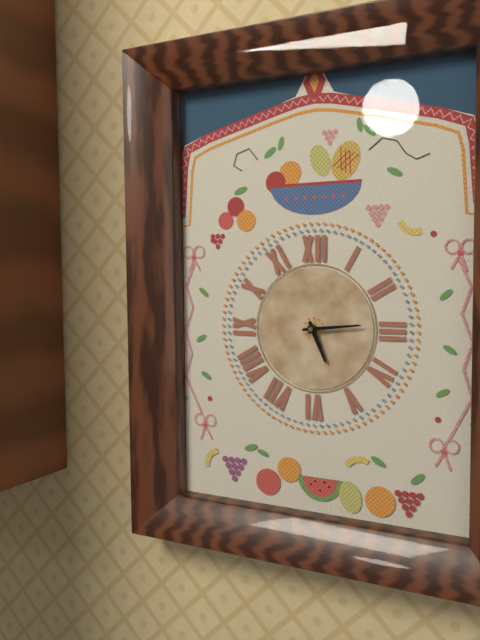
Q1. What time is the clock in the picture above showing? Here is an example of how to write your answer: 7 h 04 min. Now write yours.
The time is 5 h 14 min
